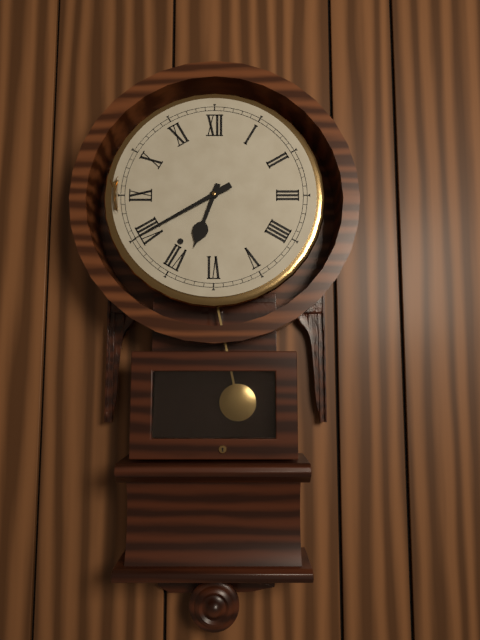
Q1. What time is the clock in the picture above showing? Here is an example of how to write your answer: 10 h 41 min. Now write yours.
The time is 6 h 40 min
